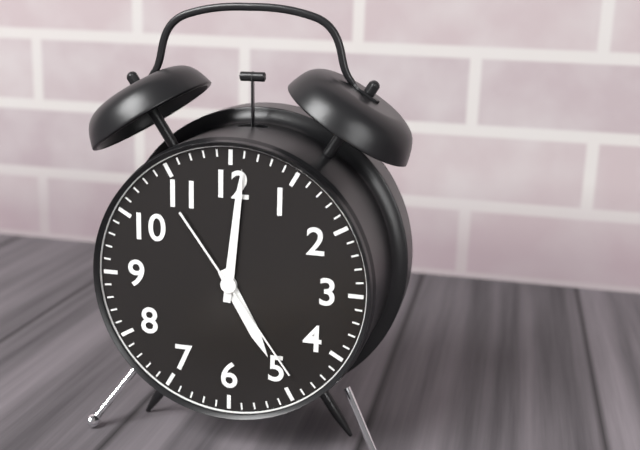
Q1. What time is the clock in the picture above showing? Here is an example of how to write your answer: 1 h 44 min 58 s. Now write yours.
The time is 5 h 01 min 24 s
